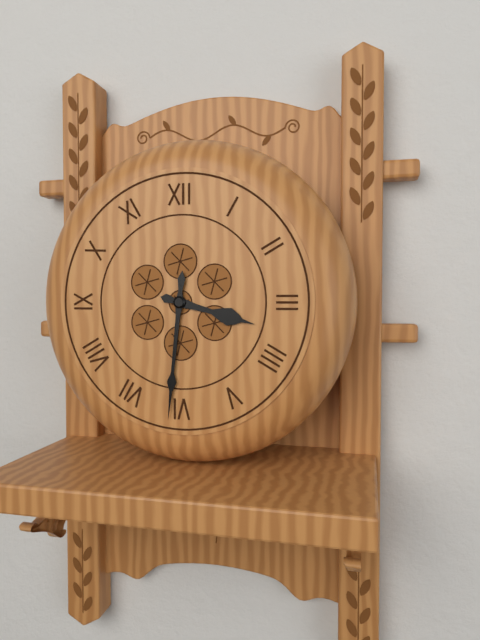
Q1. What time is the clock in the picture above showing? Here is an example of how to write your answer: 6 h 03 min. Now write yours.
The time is 3 h 31 min
